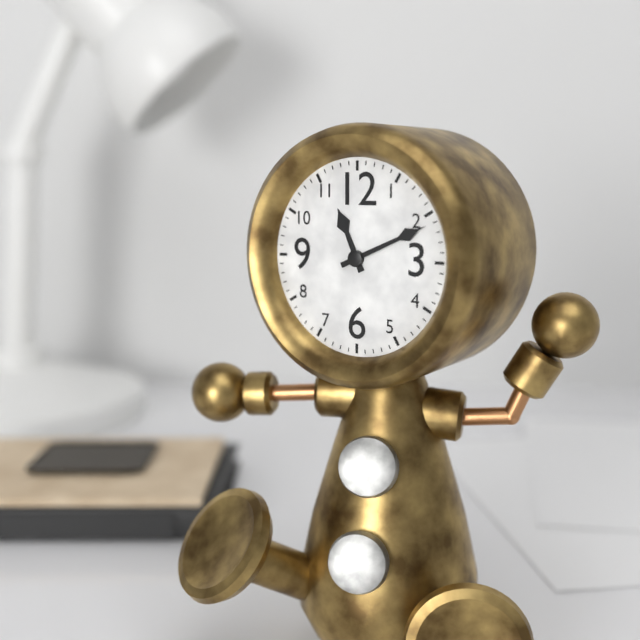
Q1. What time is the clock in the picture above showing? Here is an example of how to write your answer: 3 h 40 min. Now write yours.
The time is 11 h 11 min
